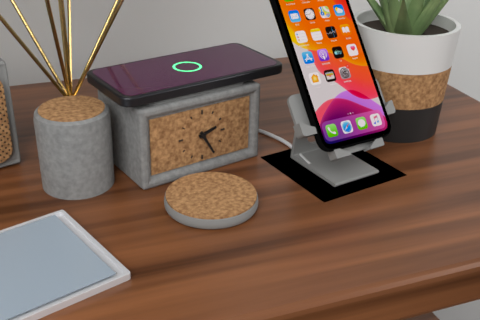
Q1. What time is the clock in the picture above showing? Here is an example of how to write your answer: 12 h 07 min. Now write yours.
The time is 2 h 25 min
